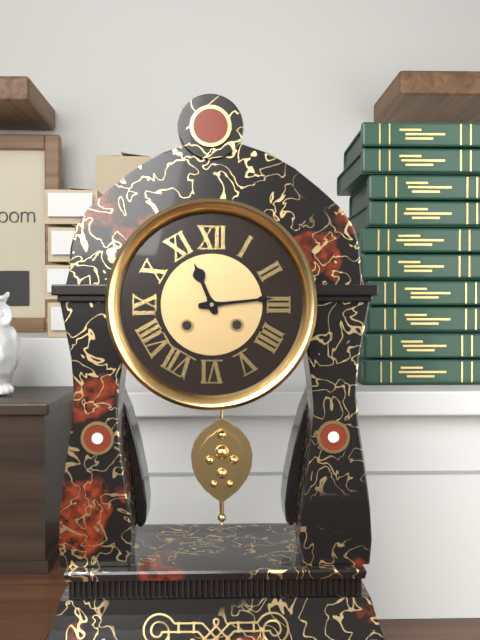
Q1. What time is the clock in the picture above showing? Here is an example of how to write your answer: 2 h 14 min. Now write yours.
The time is 11 h 14 min
